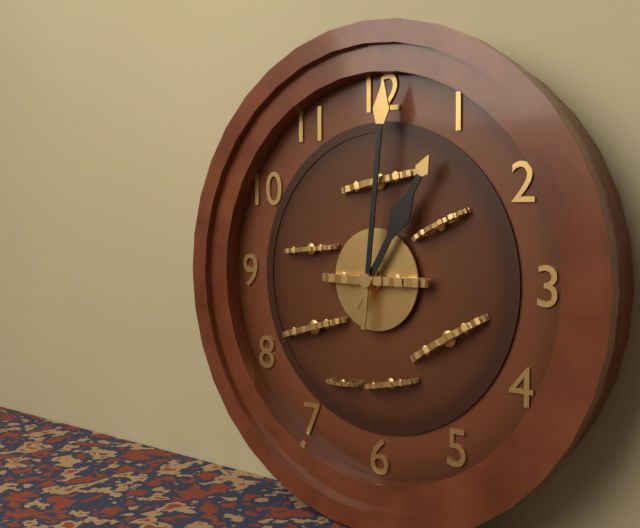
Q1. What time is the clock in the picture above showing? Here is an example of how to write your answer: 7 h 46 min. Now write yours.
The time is 1 h 01 min
